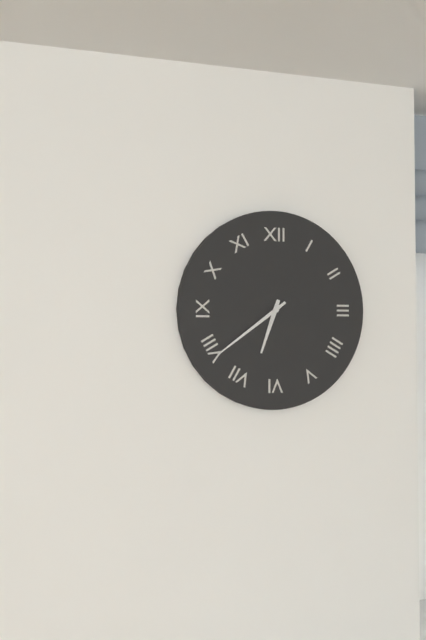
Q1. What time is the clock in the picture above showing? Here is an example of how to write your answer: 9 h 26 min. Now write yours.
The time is 6 h 39 min
